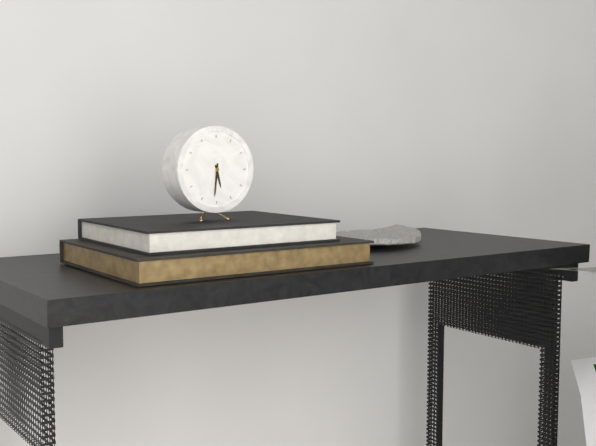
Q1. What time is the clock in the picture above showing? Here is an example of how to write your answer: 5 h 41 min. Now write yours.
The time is 5 h 31 min
